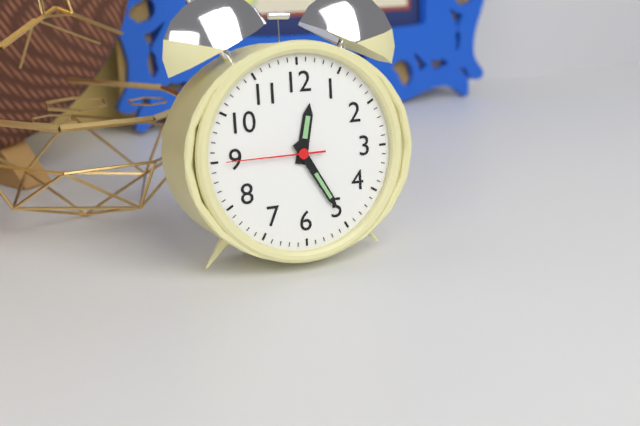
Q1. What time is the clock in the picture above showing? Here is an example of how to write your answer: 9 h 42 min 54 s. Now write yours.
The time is 12 h 25 min 45 s
